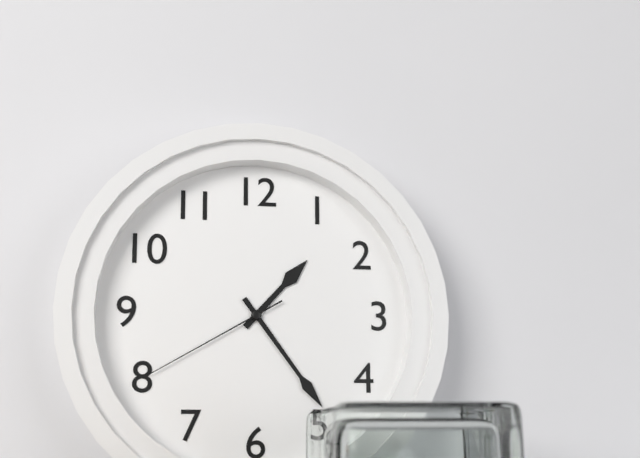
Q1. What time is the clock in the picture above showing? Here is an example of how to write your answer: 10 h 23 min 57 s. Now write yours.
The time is 1 h 24 min 40 s
